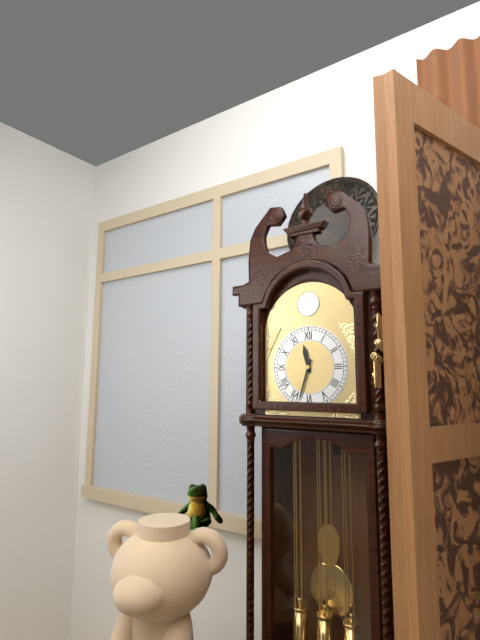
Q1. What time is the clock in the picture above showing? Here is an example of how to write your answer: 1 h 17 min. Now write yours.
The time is 11 h 33 min
